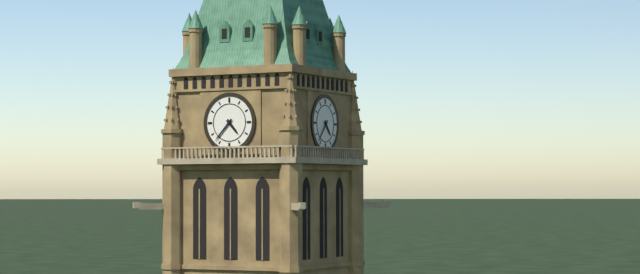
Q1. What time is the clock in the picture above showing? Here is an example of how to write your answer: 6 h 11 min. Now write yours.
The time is 4 h 37 min
